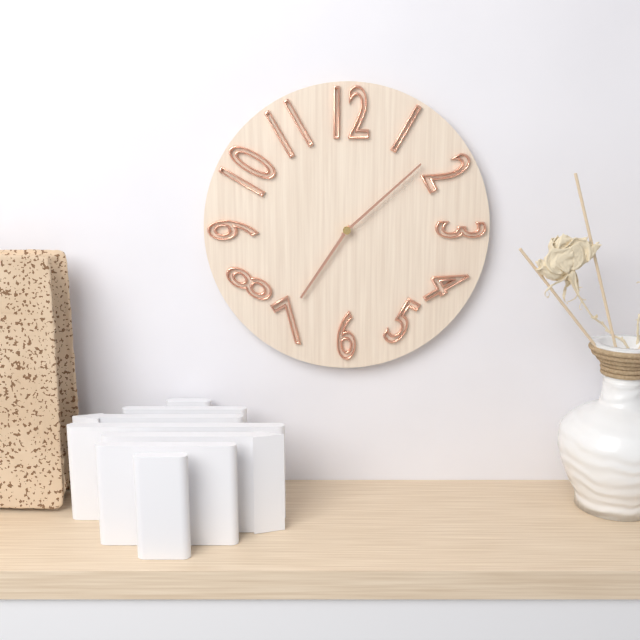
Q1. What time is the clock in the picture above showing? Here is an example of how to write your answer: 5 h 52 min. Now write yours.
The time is 7 h 08 min
